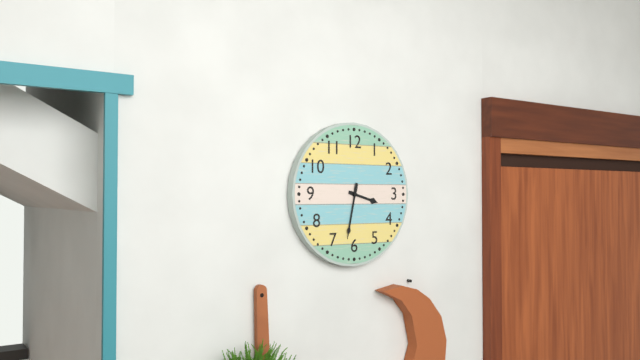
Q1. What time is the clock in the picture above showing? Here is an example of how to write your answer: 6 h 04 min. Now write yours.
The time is 3 h 32 min
